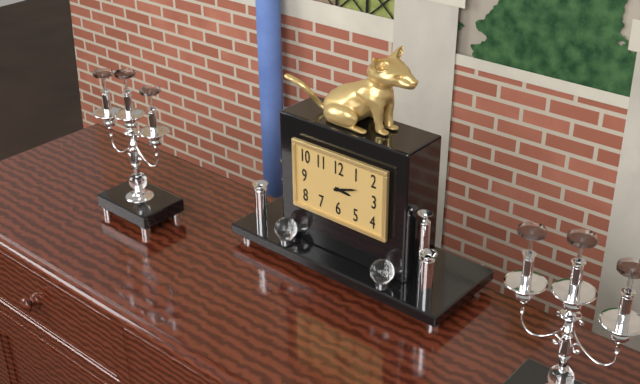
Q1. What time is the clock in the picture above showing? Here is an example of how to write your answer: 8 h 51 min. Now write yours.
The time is 3 h 12 min
